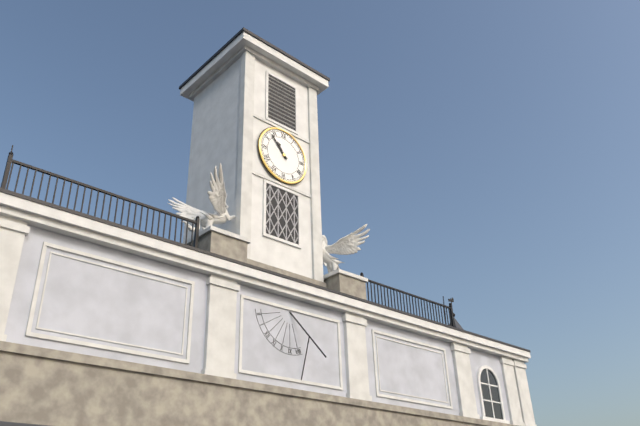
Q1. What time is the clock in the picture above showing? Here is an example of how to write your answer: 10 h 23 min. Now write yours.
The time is 10 h 53 min
